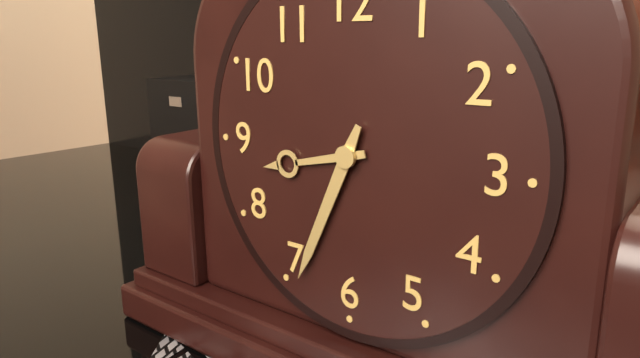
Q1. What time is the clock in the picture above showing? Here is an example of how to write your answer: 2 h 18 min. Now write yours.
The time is 8 h 34 min
